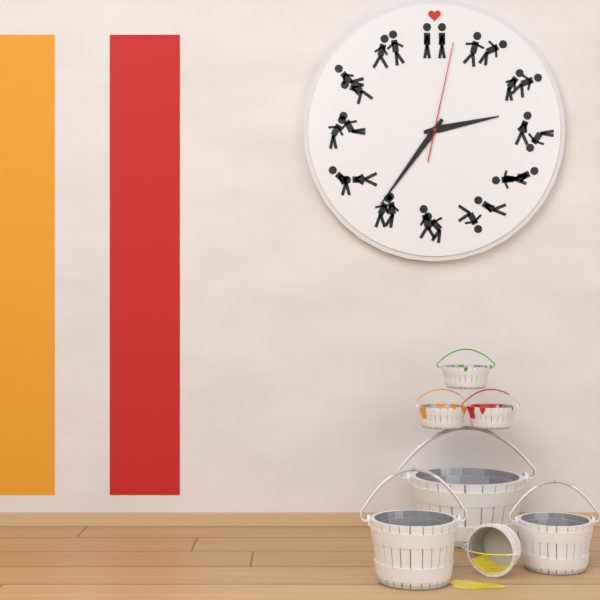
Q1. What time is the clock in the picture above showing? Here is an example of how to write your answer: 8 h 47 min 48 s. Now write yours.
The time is 2 h 36 min 02 s
